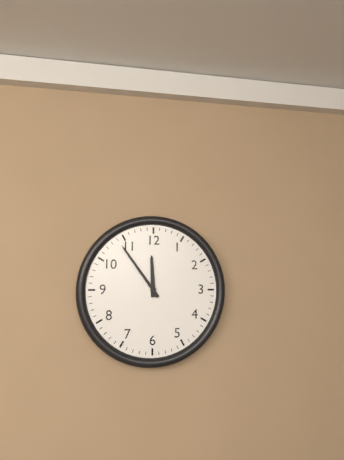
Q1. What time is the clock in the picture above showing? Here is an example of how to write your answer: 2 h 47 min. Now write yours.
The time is 11 h 54 min
